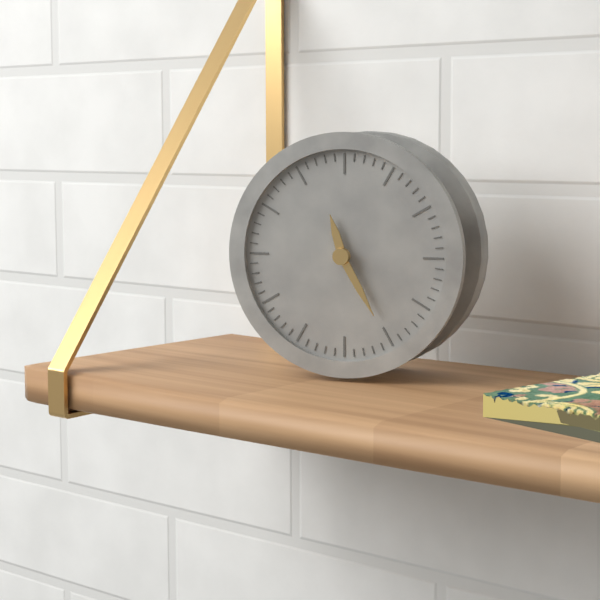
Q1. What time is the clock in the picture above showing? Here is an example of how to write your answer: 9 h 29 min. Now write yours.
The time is 11 h 25 min
